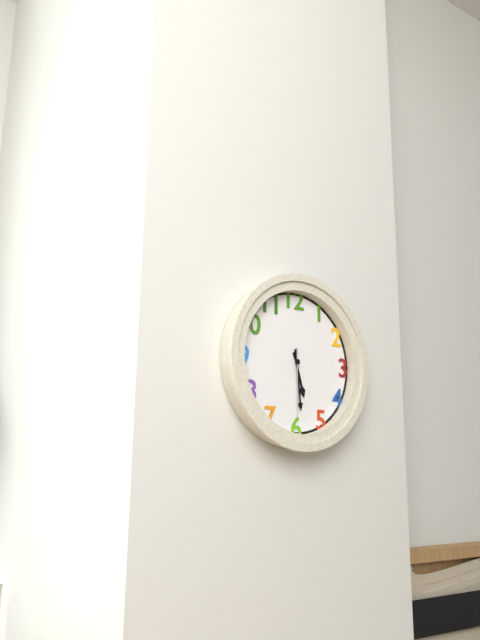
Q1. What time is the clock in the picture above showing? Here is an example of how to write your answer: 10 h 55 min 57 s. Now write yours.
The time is 5 h 29 min 30 s
